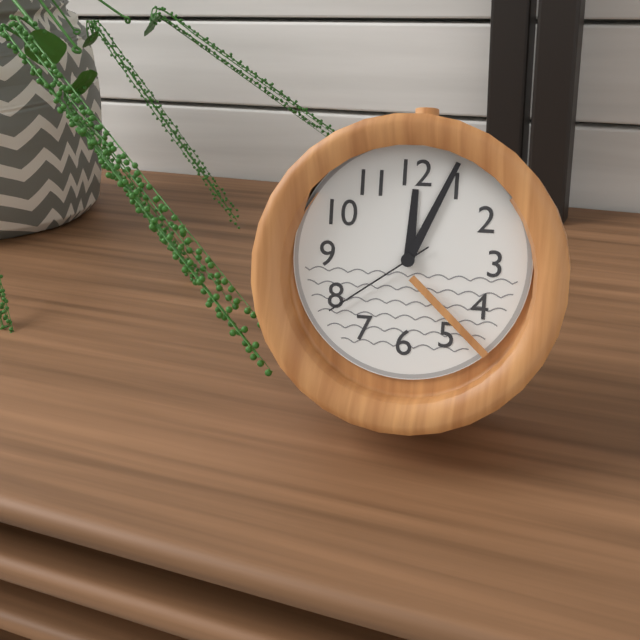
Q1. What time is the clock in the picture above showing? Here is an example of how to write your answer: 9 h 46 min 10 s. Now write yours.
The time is 12 h 04 min 39 s
